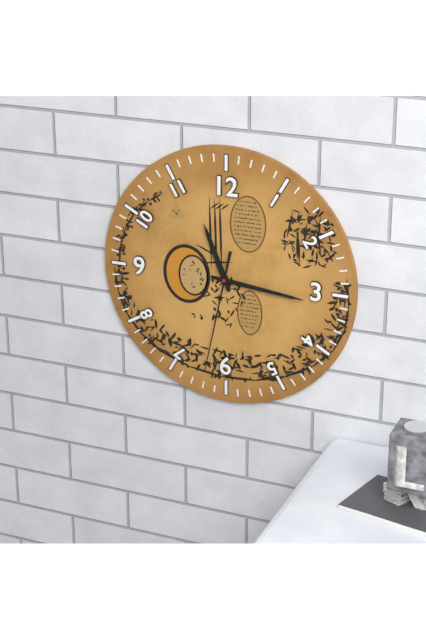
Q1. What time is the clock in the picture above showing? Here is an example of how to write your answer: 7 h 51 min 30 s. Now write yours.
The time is 11 h 16 min 32 s
